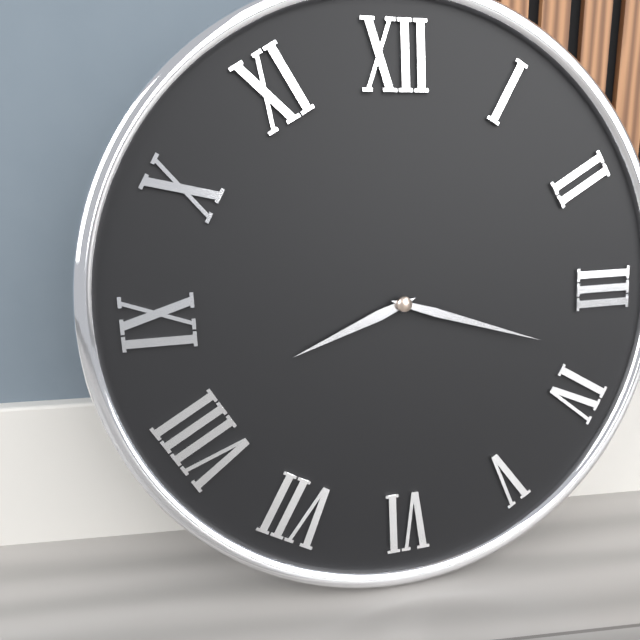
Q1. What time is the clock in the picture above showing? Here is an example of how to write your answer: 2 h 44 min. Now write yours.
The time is 8 h 18 min
